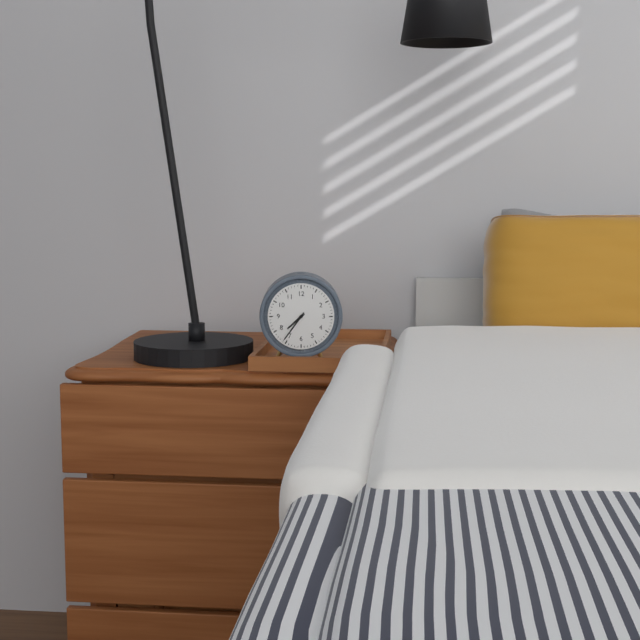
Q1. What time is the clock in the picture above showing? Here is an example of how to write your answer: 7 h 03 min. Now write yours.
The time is 7 h 36 min
